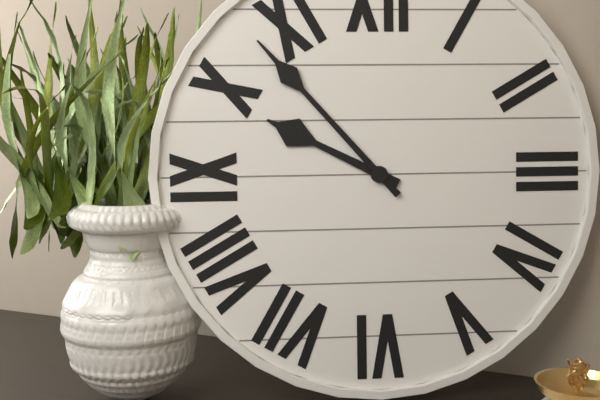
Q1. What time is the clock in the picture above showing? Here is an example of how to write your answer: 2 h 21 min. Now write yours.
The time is 9 h 53 min
